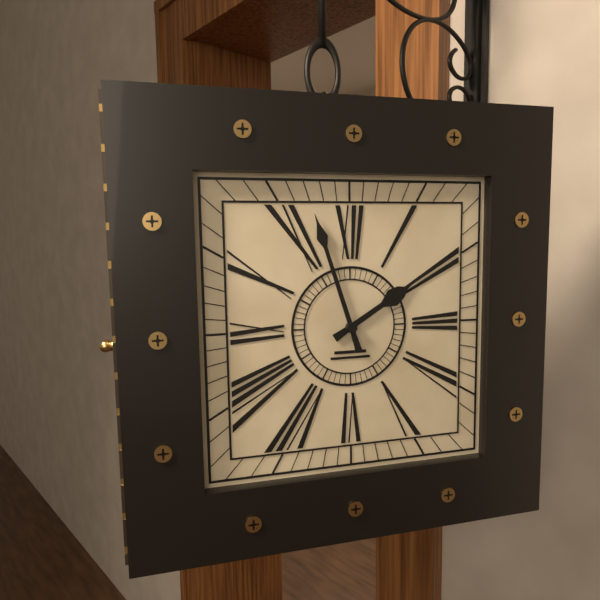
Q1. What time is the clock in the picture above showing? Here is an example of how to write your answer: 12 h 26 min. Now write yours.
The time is 1 h 57 min
